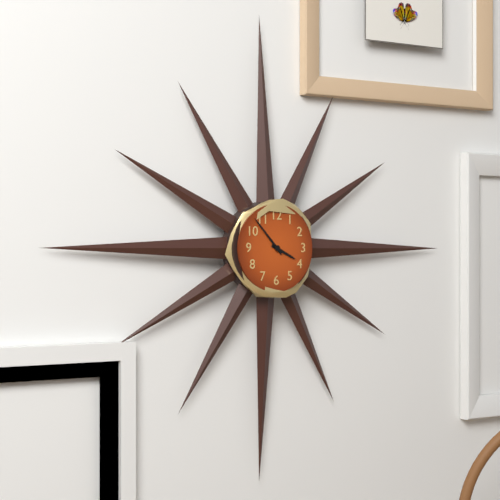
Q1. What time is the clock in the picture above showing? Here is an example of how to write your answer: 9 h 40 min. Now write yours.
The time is 3 h 53 min
